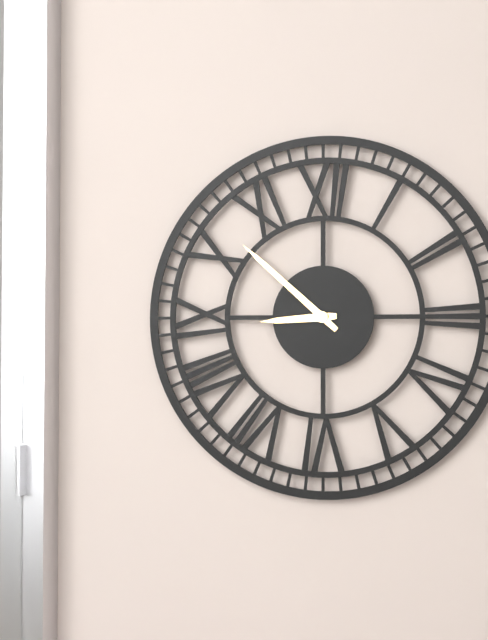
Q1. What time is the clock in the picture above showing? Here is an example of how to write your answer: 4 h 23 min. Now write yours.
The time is 8 h 52 min
